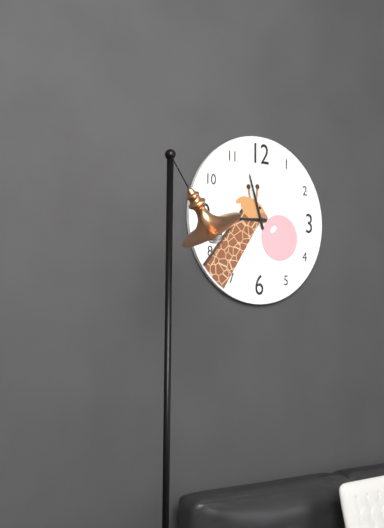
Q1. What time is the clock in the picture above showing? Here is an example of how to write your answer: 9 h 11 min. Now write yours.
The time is 8 h 57 min
